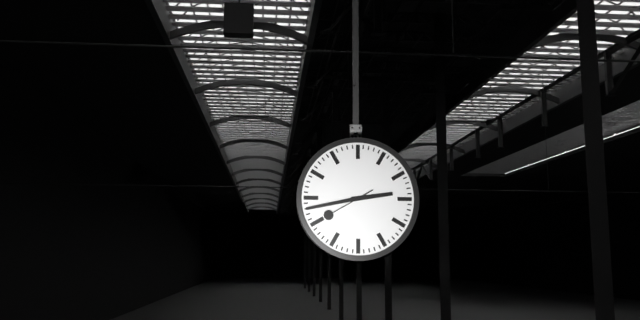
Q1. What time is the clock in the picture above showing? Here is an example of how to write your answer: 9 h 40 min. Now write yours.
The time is 2 h 43 min
